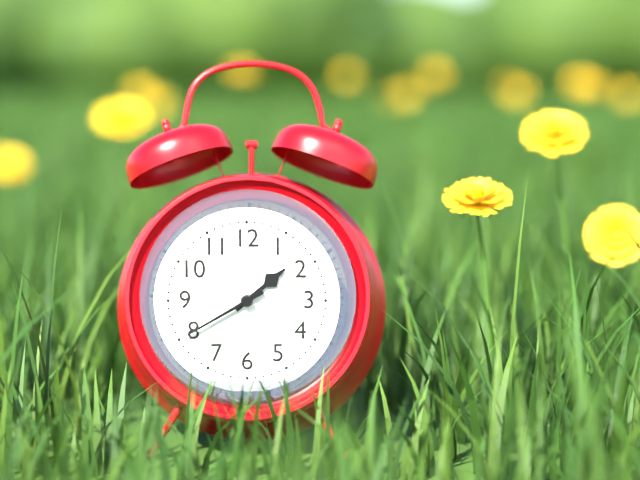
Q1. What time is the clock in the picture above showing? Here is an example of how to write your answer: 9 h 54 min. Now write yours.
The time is 1 h 40 min
